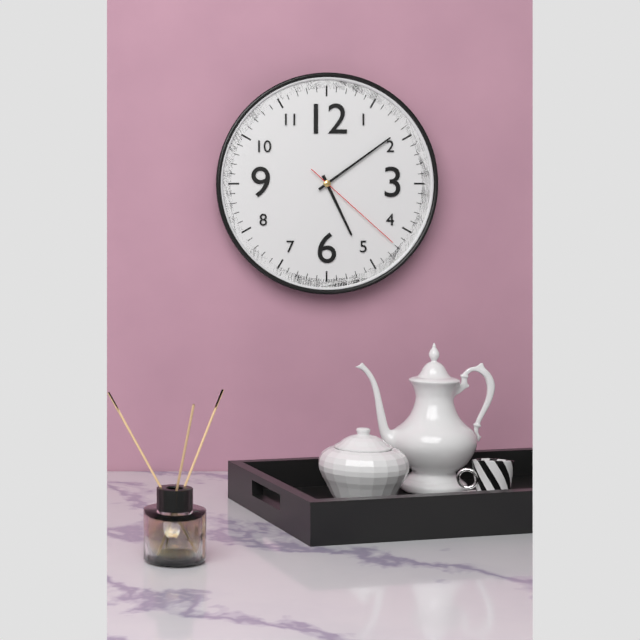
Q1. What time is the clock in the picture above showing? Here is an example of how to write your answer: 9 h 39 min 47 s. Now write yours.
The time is 5 h 09 min 22 s
